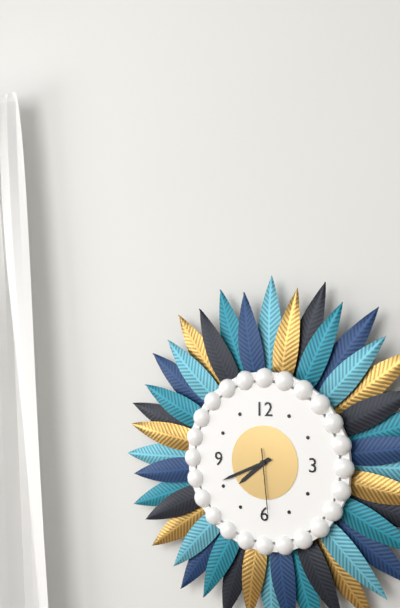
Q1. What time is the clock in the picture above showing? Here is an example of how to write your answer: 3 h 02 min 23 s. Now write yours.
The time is 7 h 41 min 29 s
